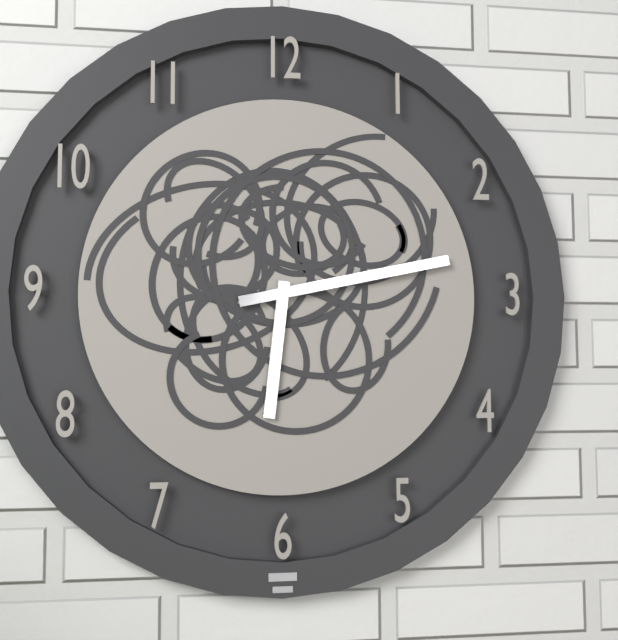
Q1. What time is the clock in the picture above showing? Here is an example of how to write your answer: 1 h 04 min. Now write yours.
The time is 6 h 13 min
